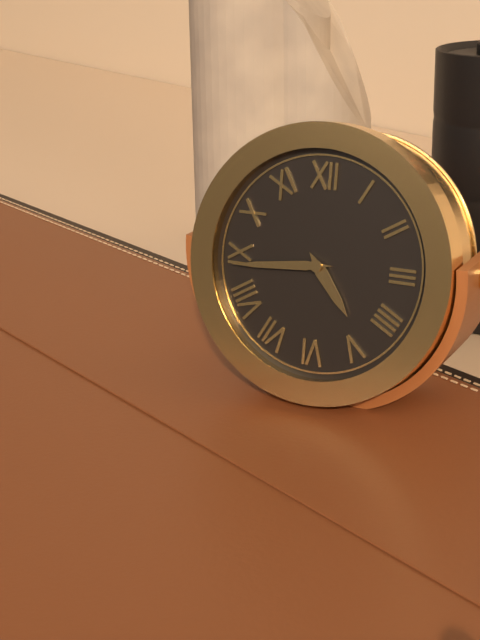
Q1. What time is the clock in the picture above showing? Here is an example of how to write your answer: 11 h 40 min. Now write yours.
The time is 4 h 44 min
